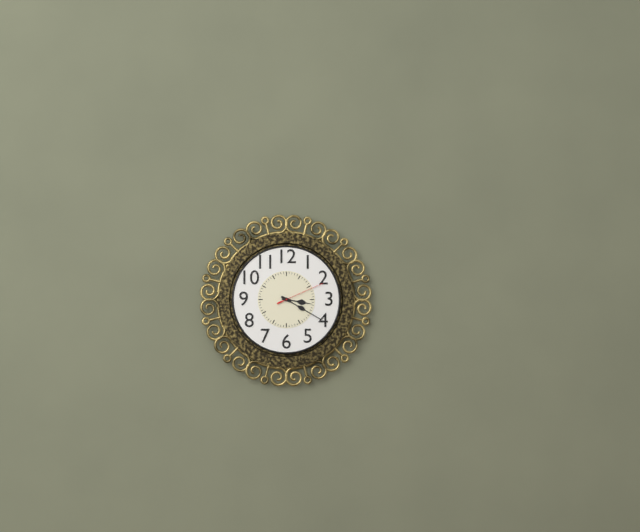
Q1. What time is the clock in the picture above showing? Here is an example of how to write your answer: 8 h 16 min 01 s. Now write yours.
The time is 3 h 20 min 11 s
